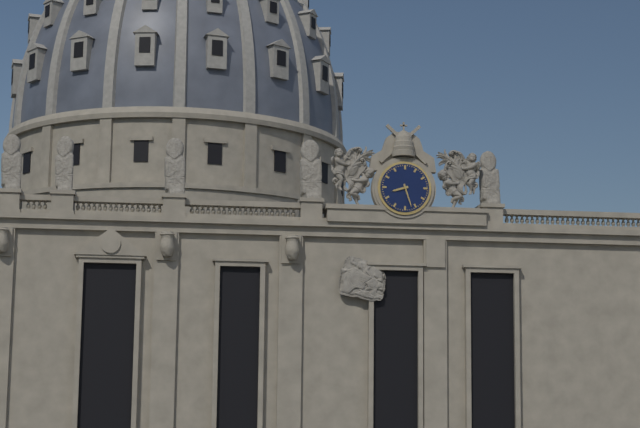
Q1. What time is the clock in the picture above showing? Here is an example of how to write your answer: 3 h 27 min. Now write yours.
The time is 8 h 27 min
